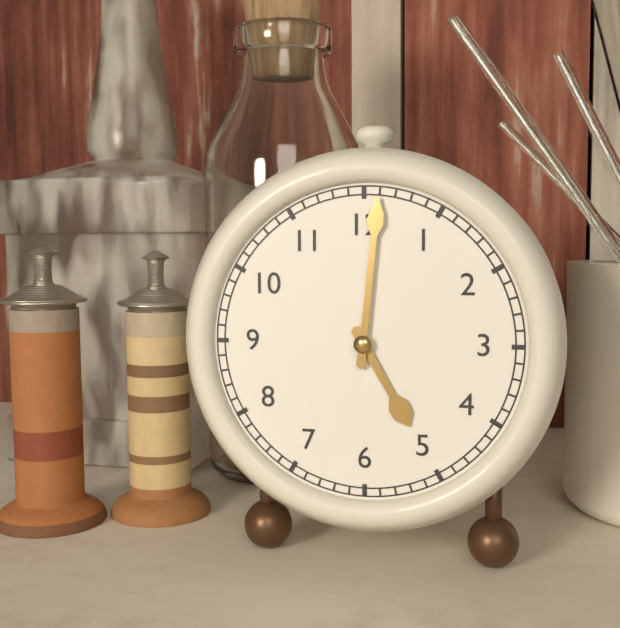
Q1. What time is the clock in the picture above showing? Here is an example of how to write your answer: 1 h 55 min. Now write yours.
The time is 5 h 01 min
